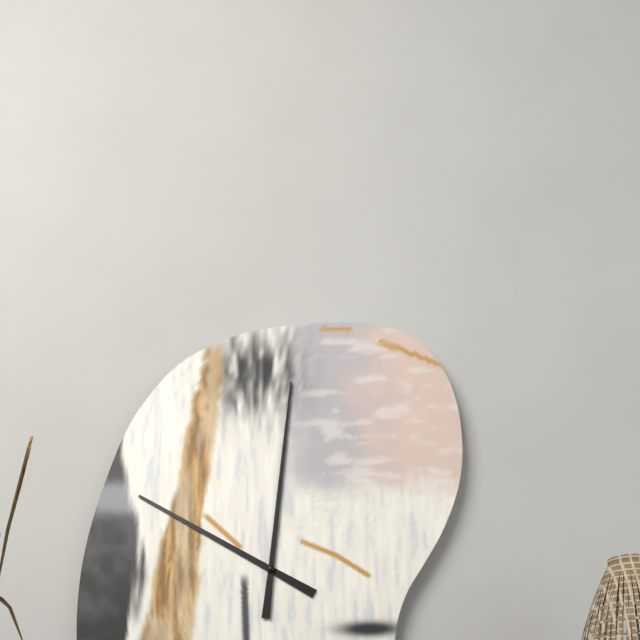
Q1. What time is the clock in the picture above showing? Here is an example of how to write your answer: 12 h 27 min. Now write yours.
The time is 10 h 01 min
